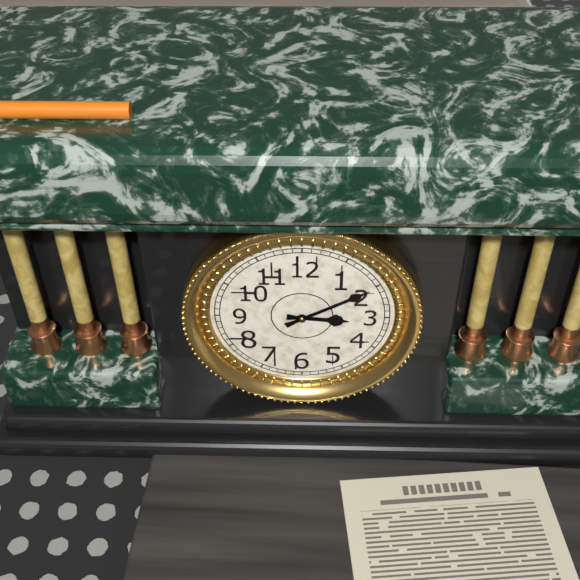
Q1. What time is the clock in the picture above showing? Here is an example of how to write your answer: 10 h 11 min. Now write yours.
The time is 3 h 10 min
